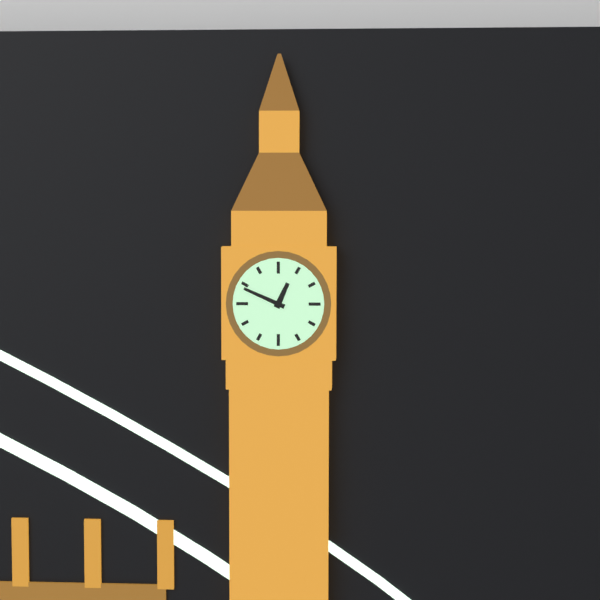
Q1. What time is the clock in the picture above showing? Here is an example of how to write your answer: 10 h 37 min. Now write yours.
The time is 12 h 49 min
